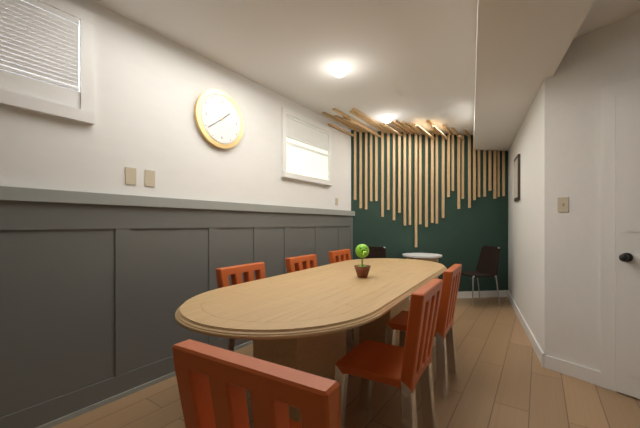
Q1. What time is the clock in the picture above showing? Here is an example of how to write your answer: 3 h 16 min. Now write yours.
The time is 1 h 39 min
